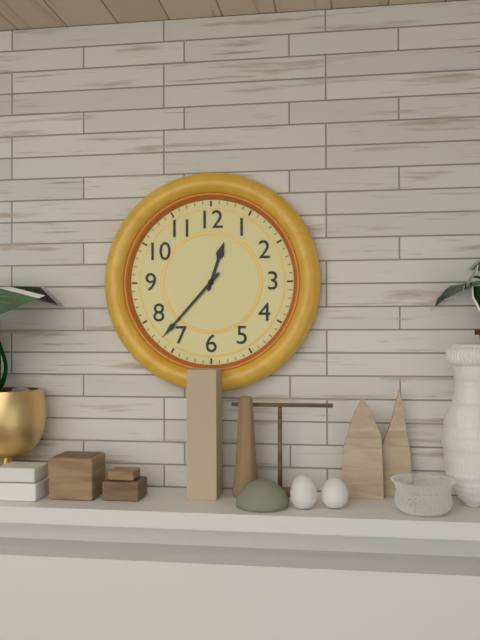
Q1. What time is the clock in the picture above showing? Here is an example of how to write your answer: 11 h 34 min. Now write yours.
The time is 12 h 37 min
